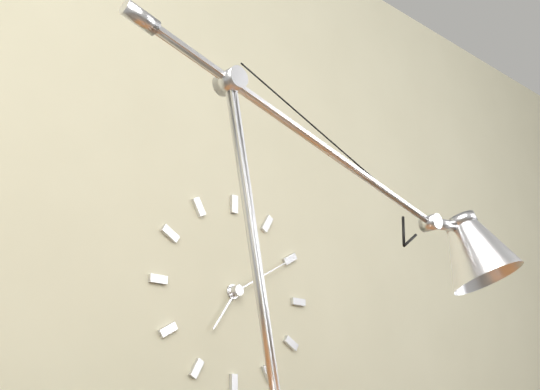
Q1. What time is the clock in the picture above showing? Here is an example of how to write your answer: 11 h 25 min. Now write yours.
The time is 7 h 10 min
